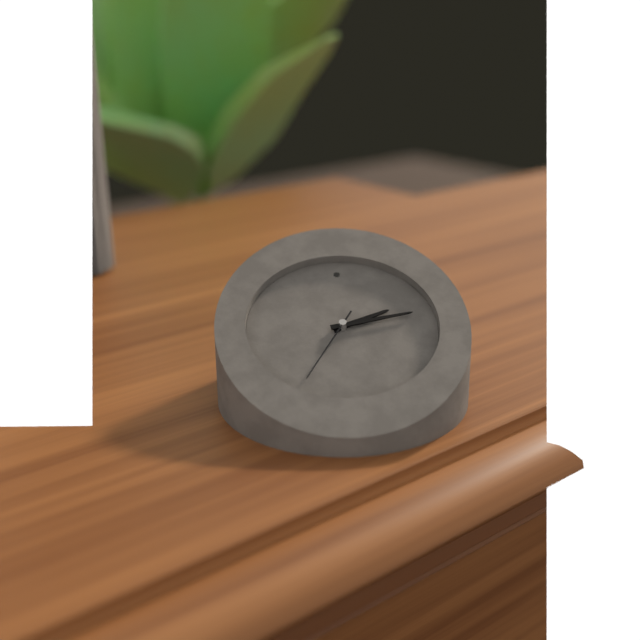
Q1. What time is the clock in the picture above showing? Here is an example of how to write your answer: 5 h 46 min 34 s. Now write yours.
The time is 2 h 13 min 35 s
